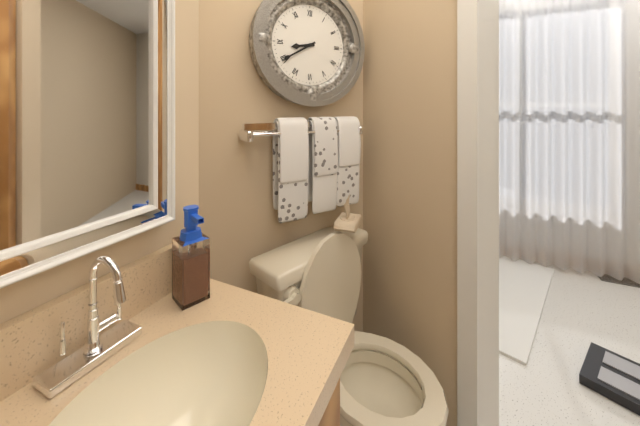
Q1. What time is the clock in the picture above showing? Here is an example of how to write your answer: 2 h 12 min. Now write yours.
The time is 8 h 40 min
